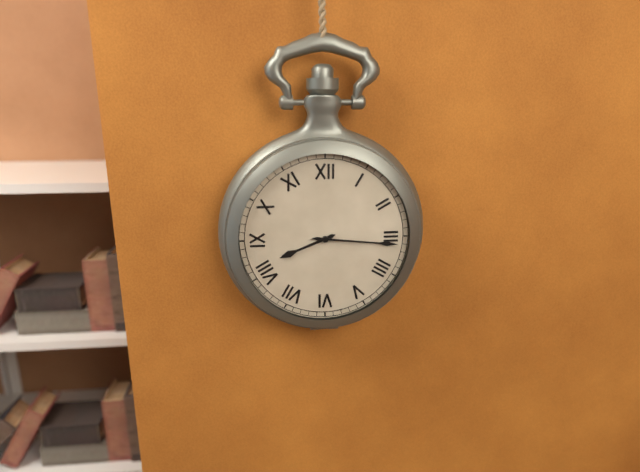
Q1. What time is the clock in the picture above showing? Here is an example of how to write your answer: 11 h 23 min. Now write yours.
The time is 8 h 16 min
